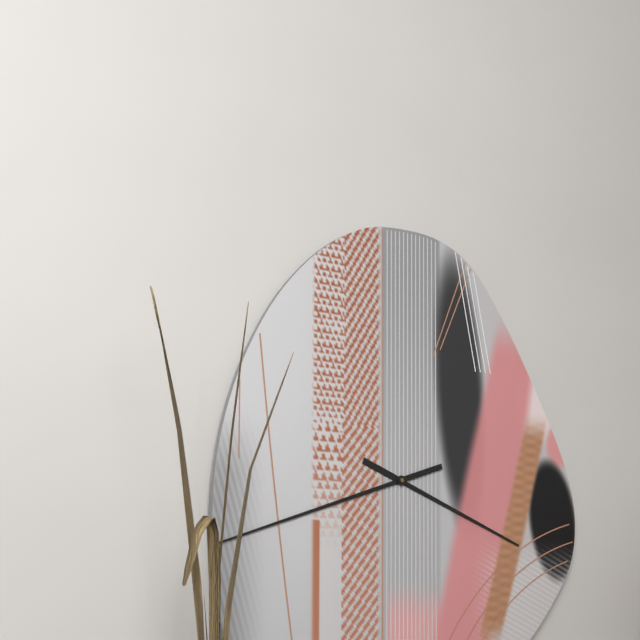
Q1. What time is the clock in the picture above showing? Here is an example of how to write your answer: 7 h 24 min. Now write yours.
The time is 3 h 42 min
